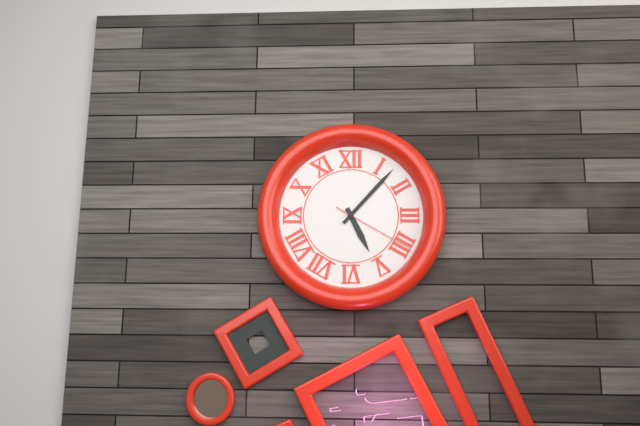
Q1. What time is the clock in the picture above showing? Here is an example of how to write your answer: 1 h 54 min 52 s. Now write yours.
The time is 5 h 07 min 20 s
